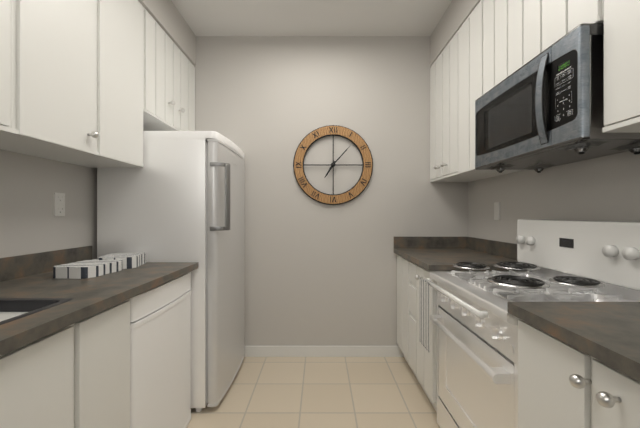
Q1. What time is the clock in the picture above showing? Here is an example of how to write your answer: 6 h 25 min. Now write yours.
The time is 7 h 07 min
